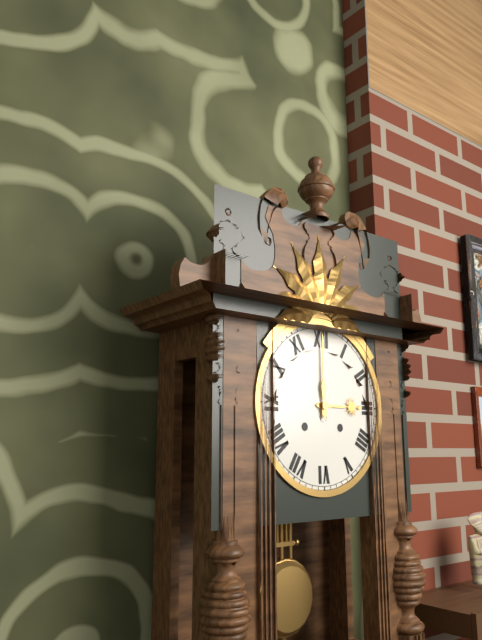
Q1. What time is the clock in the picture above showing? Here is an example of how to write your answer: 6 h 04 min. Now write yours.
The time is 3 h 00 min
